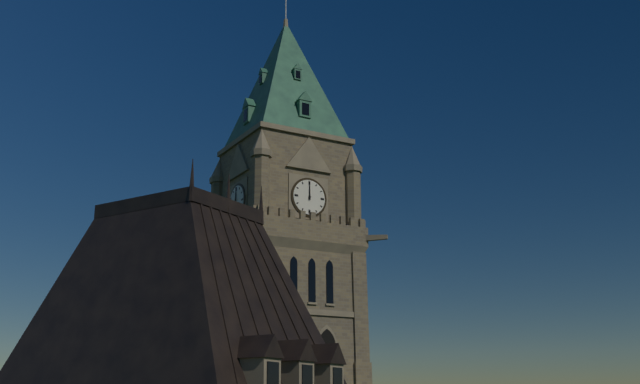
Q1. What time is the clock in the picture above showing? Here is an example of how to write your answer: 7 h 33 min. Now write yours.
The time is 12 h 00 min
